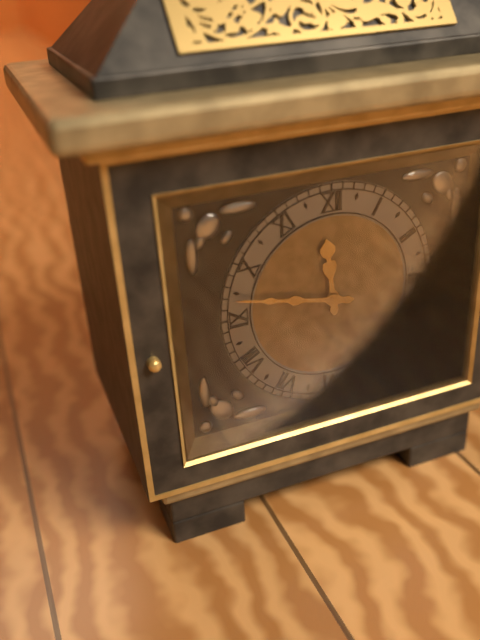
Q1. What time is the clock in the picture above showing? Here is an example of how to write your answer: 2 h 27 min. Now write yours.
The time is 11 h 47 min
